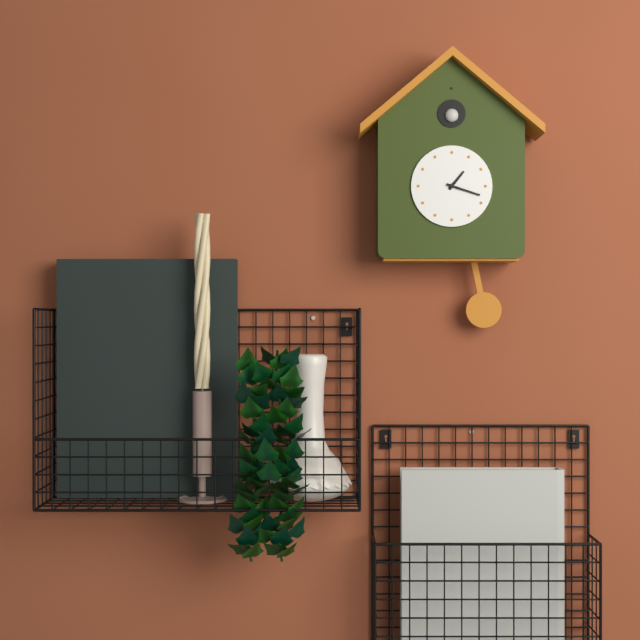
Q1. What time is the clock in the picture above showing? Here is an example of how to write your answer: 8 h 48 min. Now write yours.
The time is 1 h 18 min
